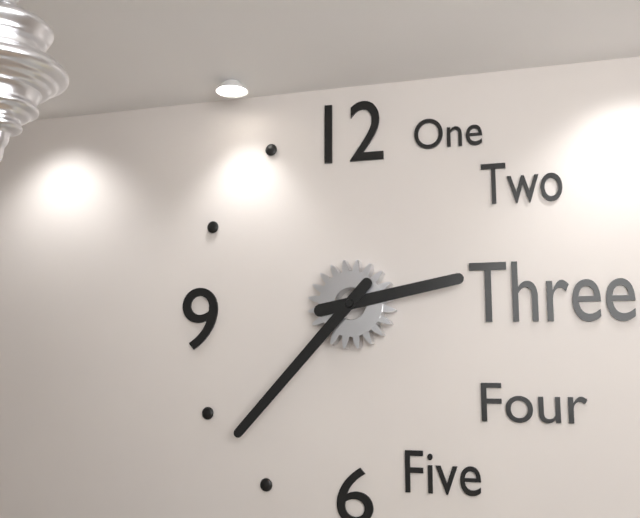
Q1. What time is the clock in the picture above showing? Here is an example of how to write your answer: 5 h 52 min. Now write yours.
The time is 2 h 37 min
